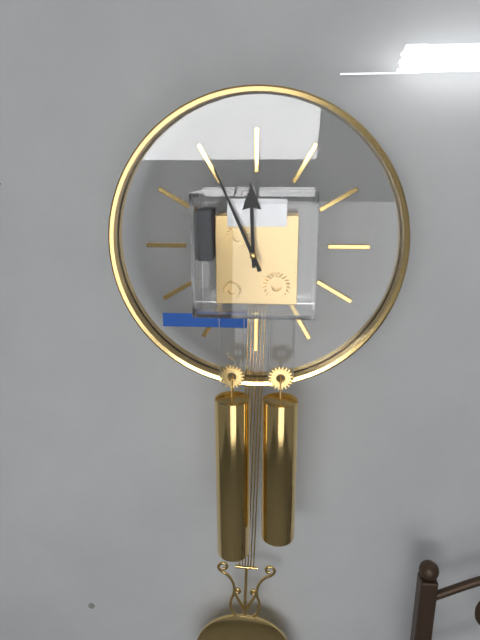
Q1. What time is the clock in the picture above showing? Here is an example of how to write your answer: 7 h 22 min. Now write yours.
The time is 11 h 56 min
